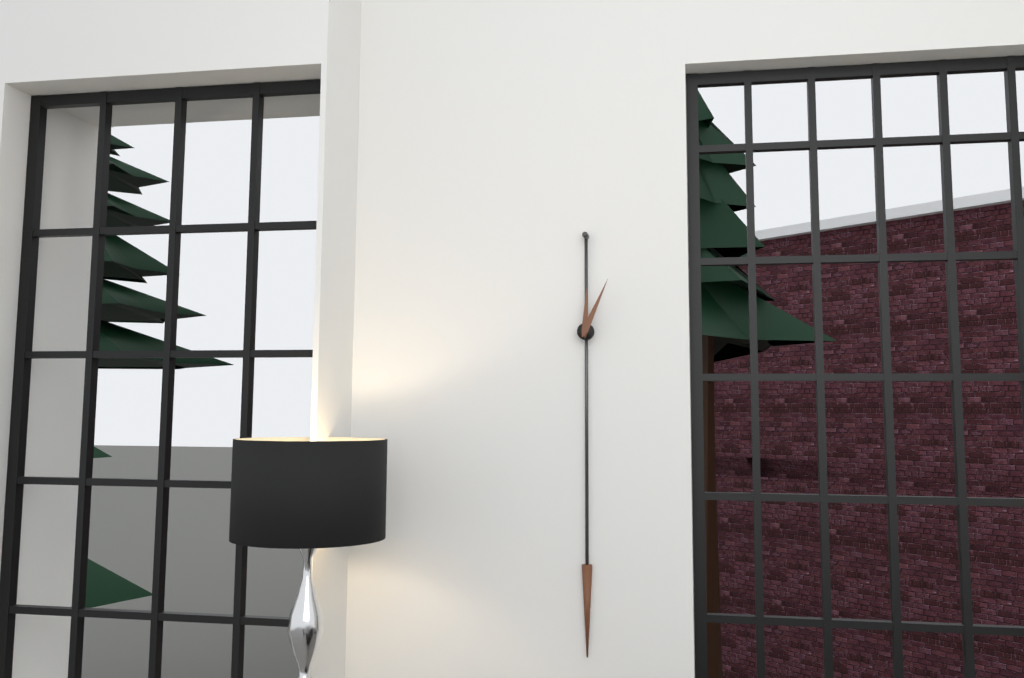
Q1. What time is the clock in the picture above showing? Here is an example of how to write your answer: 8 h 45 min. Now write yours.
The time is 12 h 04 min
